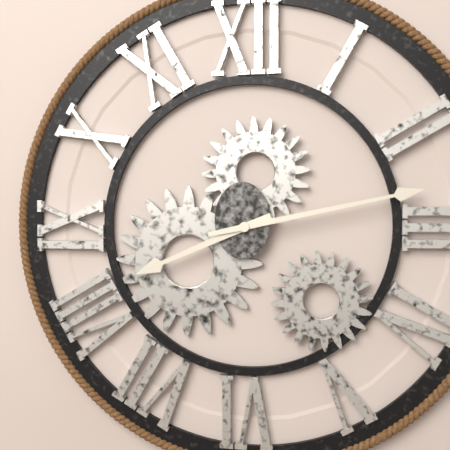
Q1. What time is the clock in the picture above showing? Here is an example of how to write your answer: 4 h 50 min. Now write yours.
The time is 8 h 13 min
